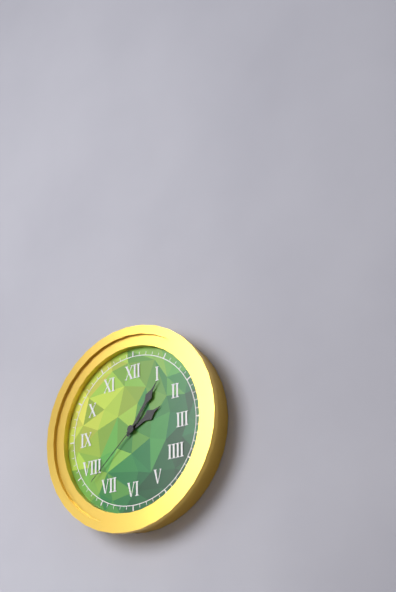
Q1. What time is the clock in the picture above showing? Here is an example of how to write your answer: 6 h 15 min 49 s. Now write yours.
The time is 2 h 06 min 38 s
